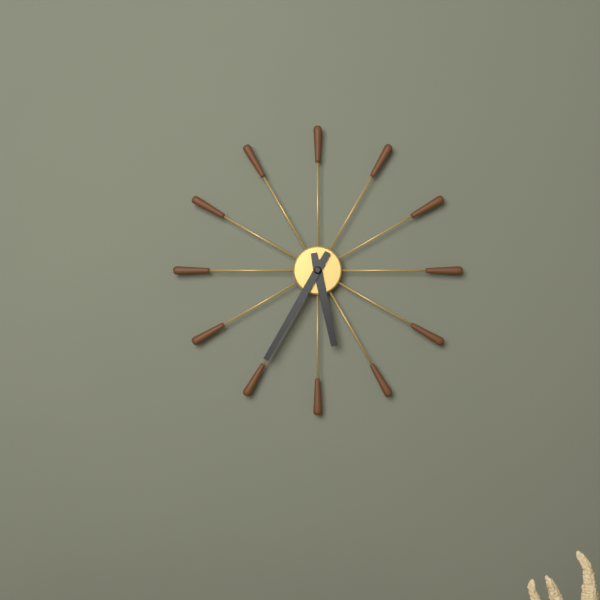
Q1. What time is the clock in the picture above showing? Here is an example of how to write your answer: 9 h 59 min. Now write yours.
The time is 5 h 35 min
